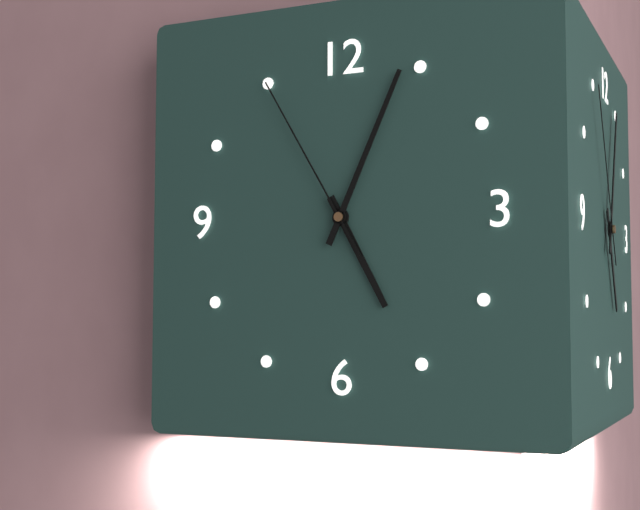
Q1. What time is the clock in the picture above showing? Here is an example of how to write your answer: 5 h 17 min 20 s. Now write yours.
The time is 5 h 04 min 55 s
